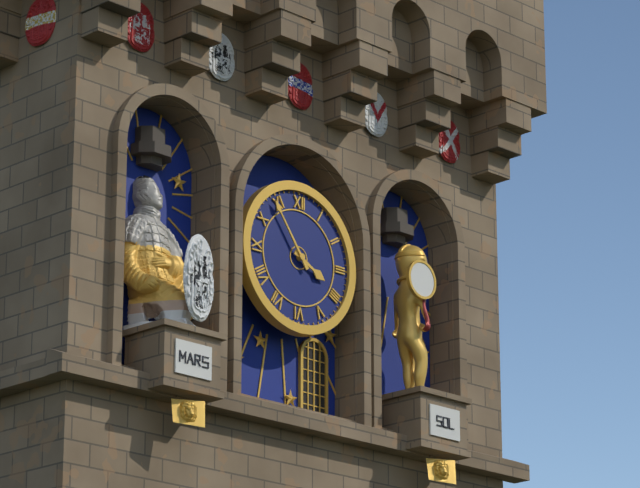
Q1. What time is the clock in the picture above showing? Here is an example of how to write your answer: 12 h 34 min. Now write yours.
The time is 3 h 54 min
